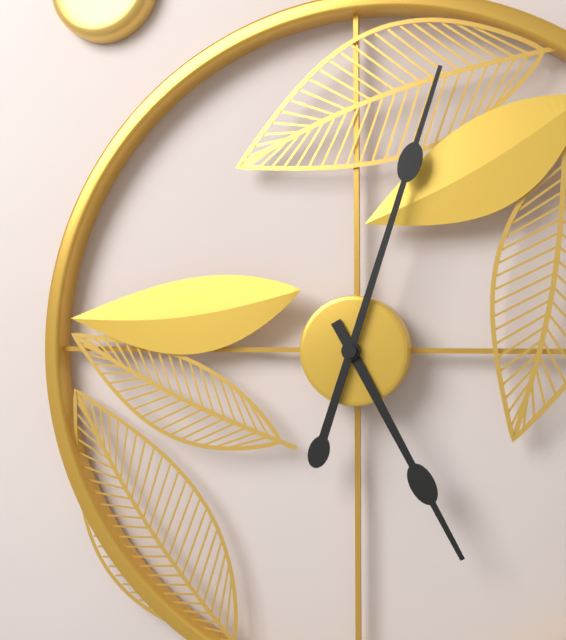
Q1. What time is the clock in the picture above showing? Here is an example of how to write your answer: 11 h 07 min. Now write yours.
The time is 5 h 03 min
